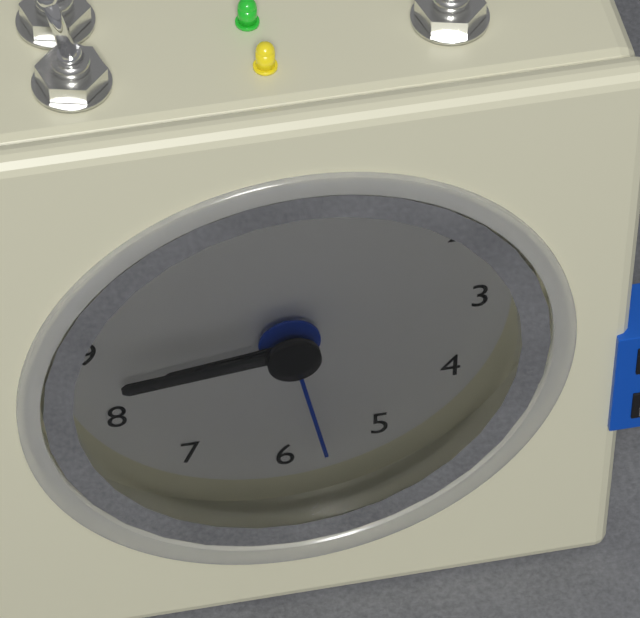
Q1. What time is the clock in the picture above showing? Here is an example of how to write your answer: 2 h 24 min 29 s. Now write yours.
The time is 8 h 44 min 28 s
